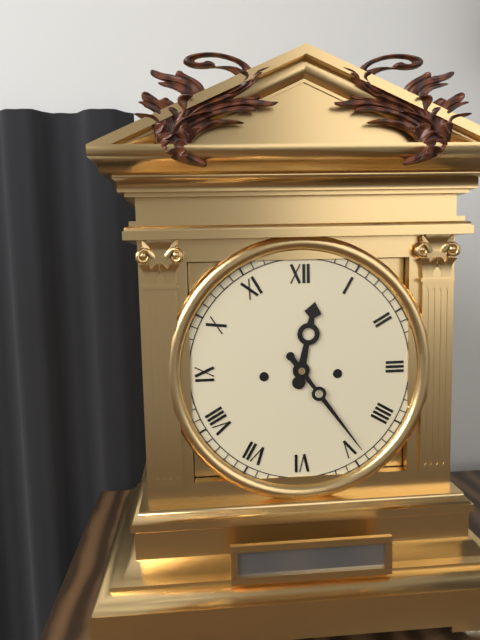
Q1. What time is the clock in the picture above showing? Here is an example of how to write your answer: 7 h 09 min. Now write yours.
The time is 12 h 24 min
